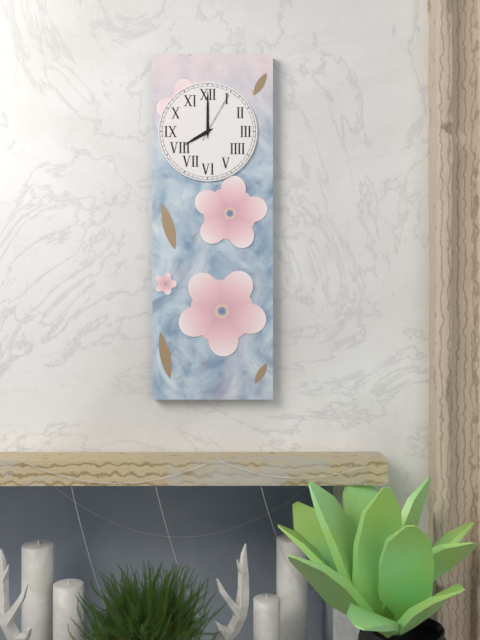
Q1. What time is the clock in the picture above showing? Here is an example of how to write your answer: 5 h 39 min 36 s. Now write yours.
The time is 8 h 00 min 05 s
